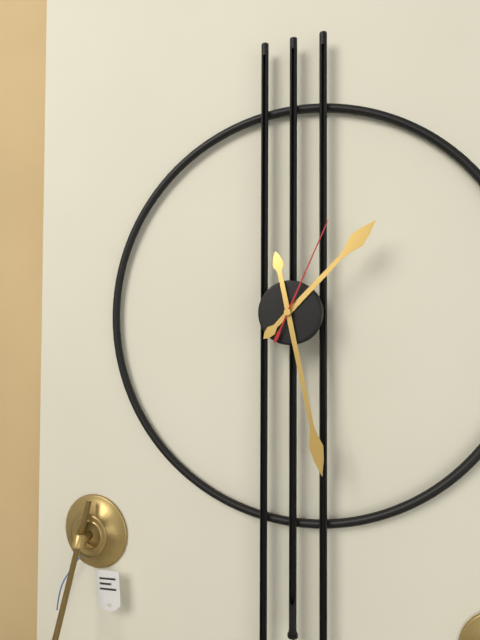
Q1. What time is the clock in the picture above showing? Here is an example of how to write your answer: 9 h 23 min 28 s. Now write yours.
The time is 1 h 28 min 04 s
